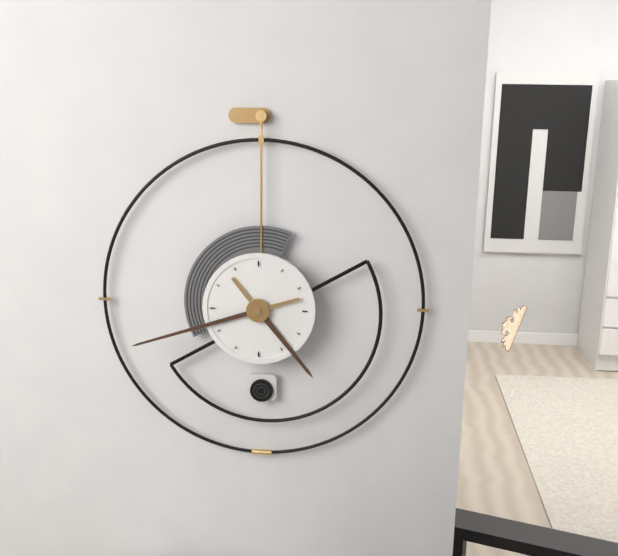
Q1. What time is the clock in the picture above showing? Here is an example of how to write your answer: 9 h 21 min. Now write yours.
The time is 4 h 42 min
